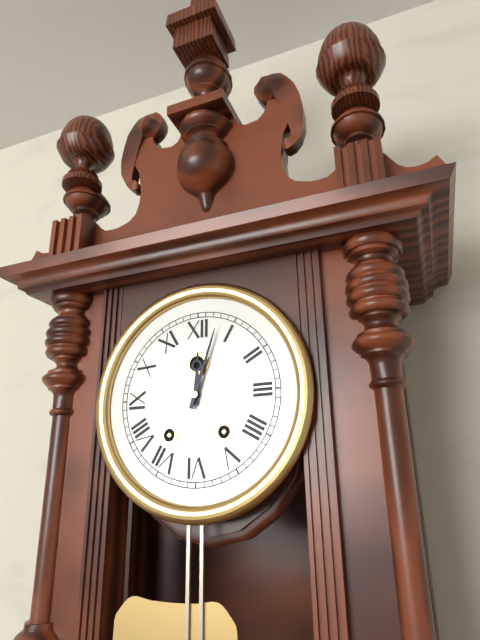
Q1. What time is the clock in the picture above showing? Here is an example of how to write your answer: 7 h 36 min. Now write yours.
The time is 12 h 03 min
